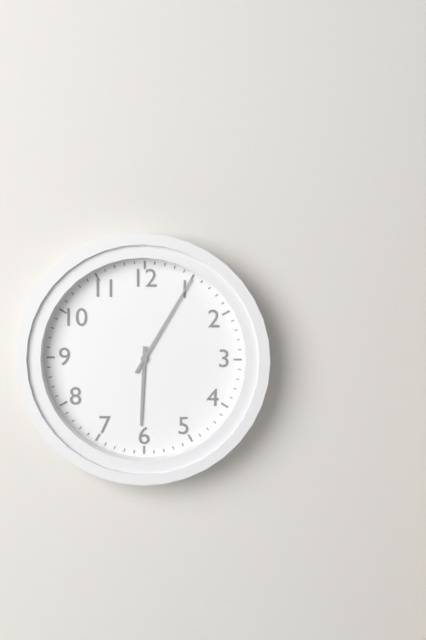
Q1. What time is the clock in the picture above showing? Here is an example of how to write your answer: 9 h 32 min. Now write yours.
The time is 6 h 05 min
